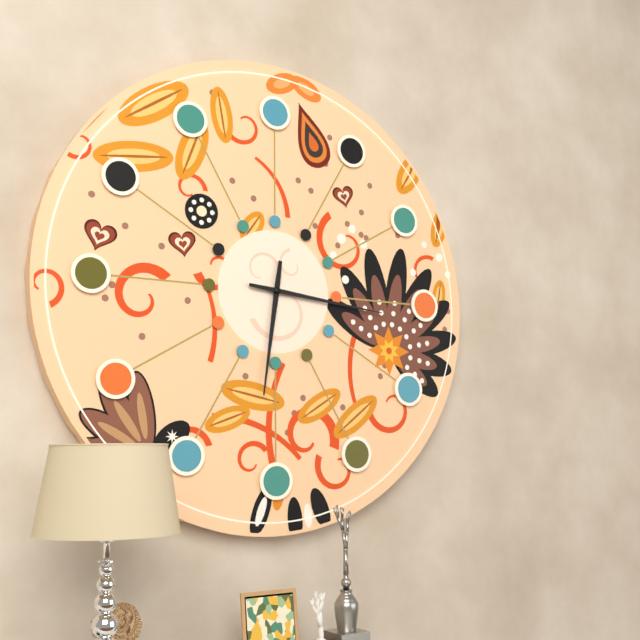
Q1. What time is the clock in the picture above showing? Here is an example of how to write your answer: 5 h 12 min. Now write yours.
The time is 6 h 16 min
